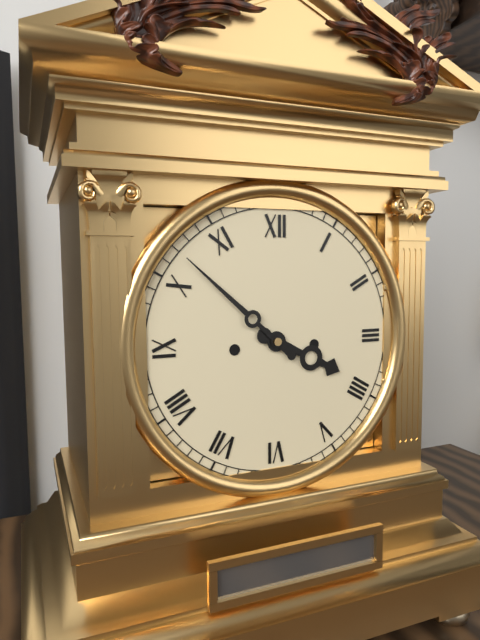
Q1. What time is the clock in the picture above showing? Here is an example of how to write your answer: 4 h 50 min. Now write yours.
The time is 3 h 52 min
